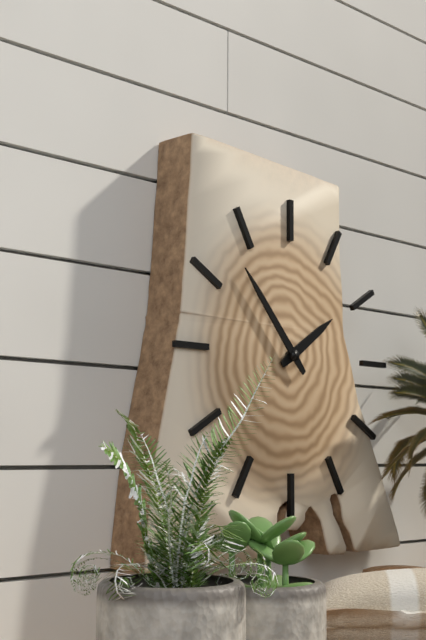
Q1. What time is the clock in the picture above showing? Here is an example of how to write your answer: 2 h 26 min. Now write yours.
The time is 1 h 53 min
